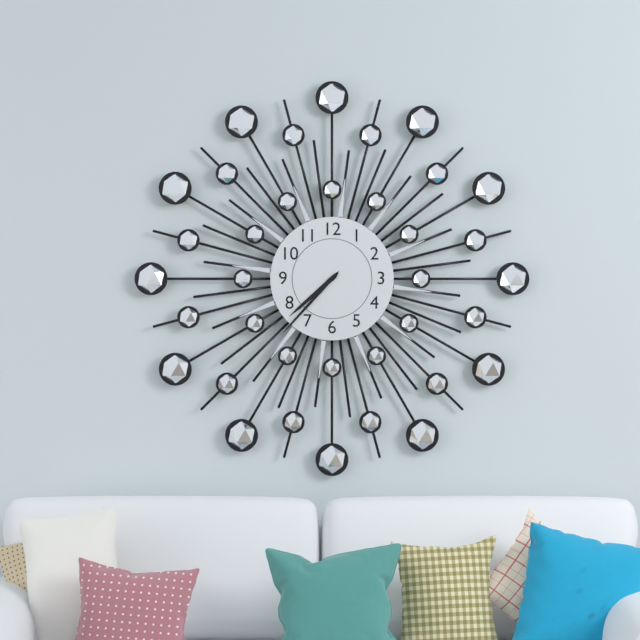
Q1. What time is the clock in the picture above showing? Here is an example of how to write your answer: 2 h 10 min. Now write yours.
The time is 7 h 37 min
